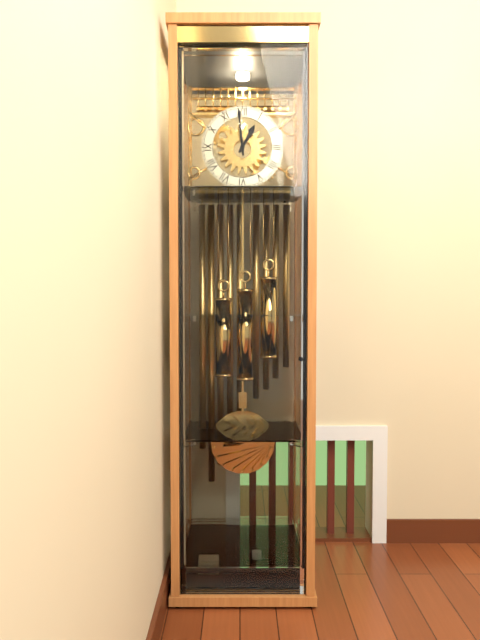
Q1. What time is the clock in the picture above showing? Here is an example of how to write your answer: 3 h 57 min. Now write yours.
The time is 12 h 59 min
